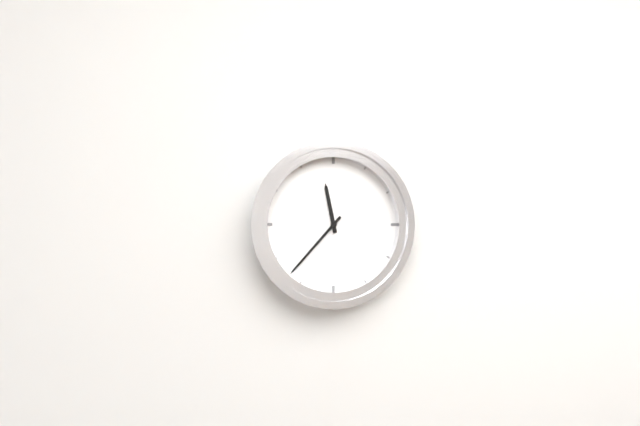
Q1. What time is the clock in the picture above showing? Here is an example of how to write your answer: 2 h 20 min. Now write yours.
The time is 11 h 37 min
